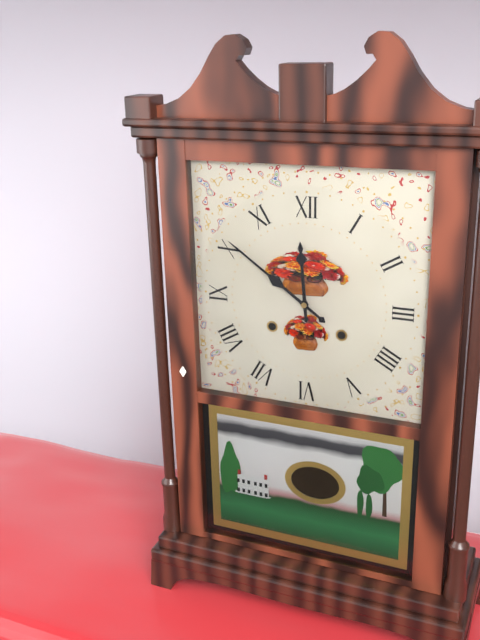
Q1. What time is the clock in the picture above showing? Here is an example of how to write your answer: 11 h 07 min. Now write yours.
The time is 11 h 51 min
